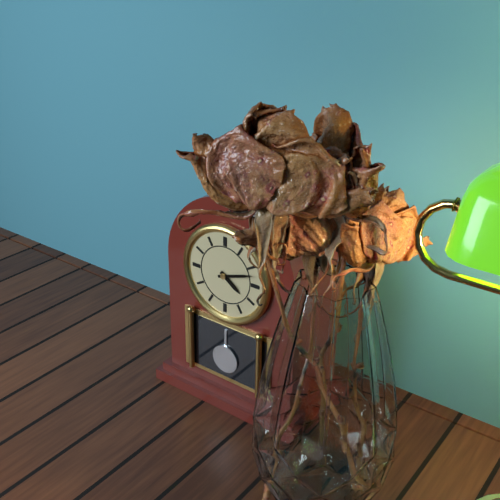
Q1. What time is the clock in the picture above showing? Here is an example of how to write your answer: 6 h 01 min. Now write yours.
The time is 4 h 12 min
